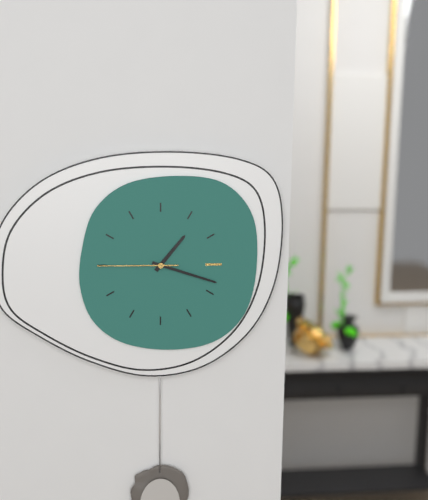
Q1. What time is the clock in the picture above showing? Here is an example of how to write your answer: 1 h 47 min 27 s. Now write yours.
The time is 1 h 18 min 45 s
